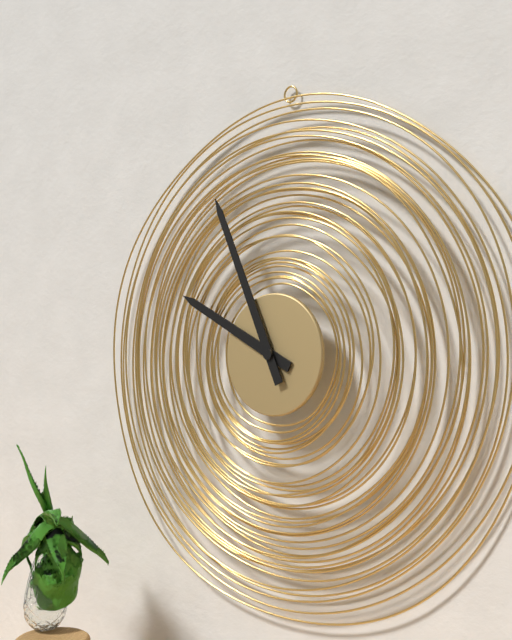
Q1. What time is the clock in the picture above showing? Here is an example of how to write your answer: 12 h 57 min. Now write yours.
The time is 9 h 56 min
